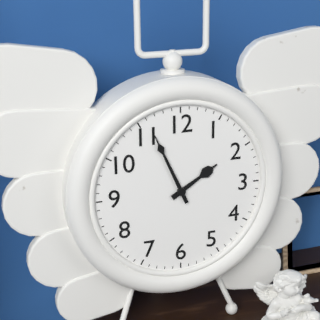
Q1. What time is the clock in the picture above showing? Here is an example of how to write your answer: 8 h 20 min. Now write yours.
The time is 1 h 56 min
